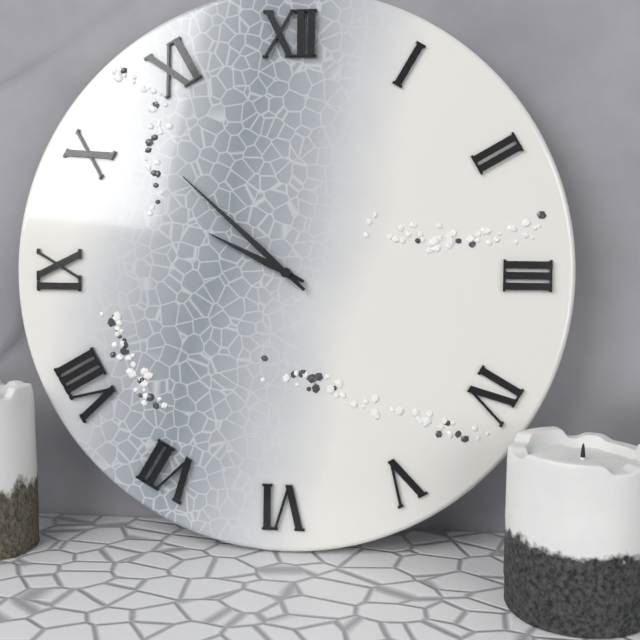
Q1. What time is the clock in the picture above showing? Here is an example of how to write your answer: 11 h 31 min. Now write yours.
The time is 9 h 52 min
